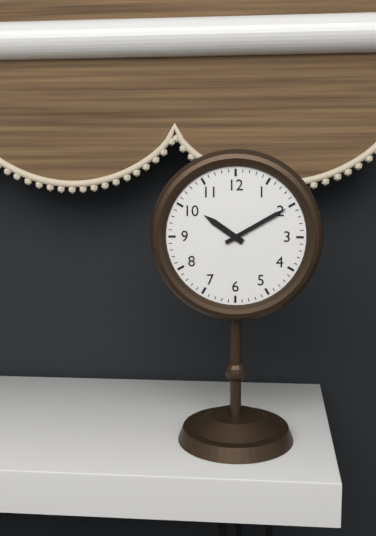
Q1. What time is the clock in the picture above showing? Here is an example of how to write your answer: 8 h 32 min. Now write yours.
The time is 10 h 10 min
